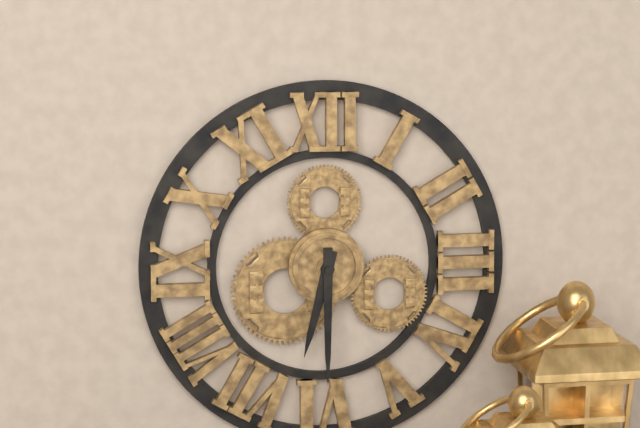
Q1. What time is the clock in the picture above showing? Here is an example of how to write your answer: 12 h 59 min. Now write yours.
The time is 6 h 30 min
